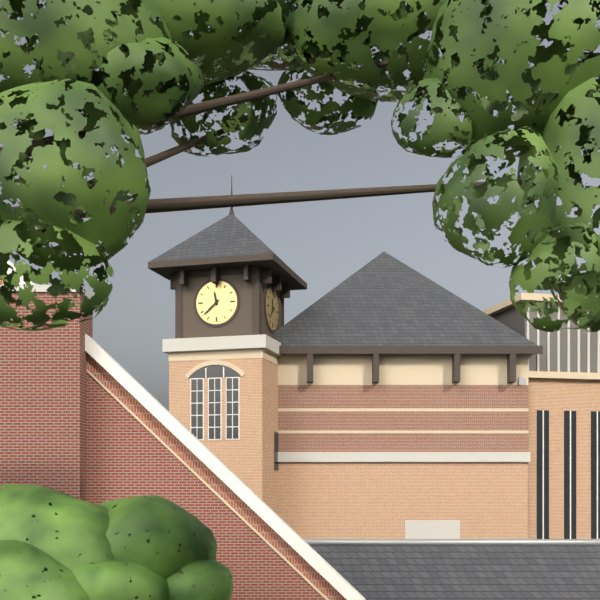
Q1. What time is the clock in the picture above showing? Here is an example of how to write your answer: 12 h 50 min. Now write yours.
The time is 11 h 38 min
